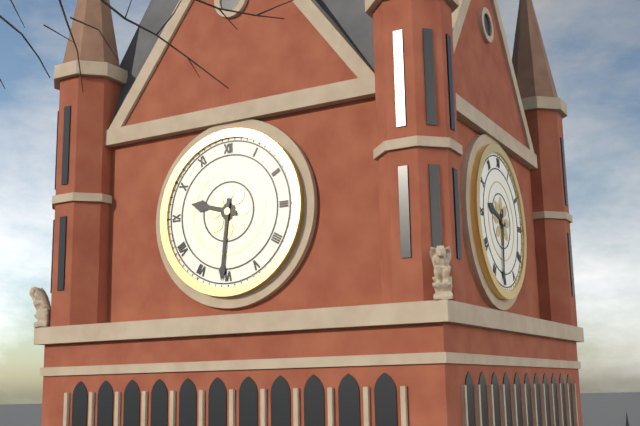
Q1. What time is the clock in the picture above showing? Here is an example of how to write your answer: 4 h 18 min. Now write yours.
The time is 9 h 31 min
